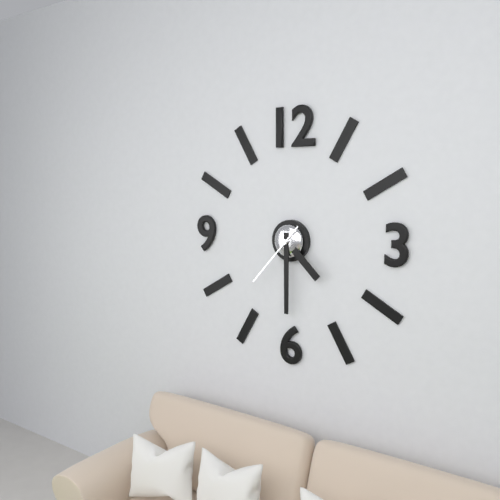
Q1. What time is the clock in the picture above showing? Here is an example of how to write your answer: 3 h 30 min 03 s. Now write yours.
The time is 4 h 30 min 37 s
